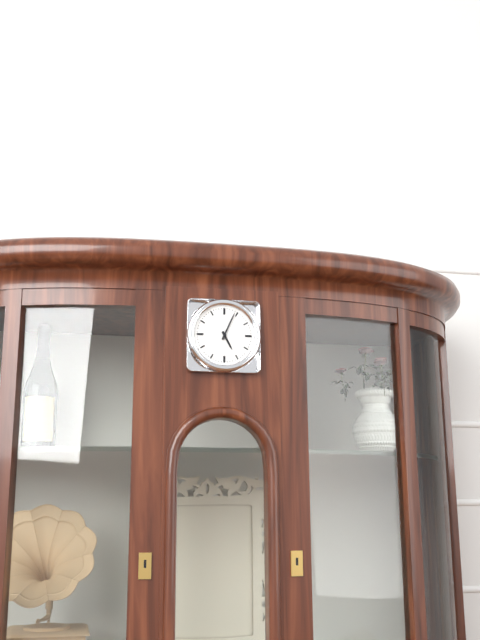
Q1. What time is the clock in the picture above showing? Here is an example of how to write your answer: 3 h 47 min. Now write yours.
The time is 5 h 04 min
